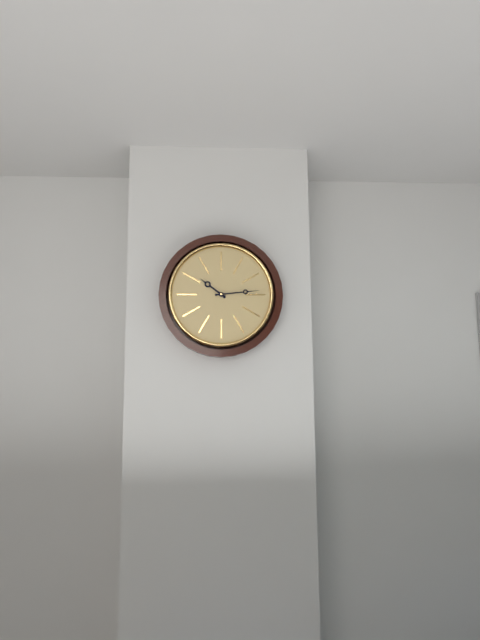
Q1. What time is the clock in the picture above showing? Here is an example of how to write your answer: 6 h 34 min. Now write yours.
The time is 10 h 14 min
